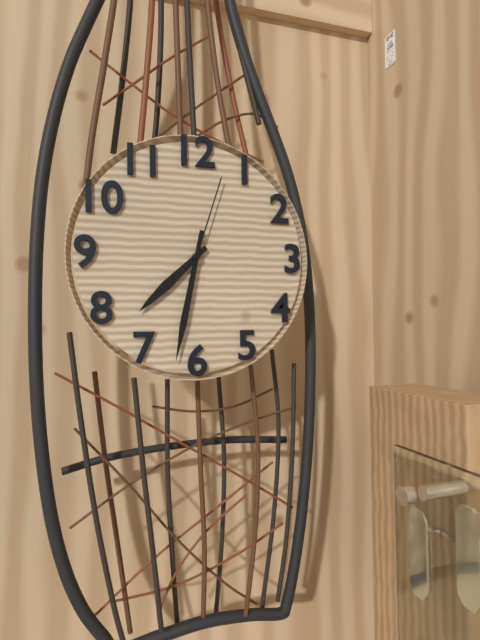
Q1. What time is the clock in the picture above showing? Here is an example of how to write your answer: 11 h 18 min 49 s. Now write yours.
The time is 7 h 32 min 03 s
